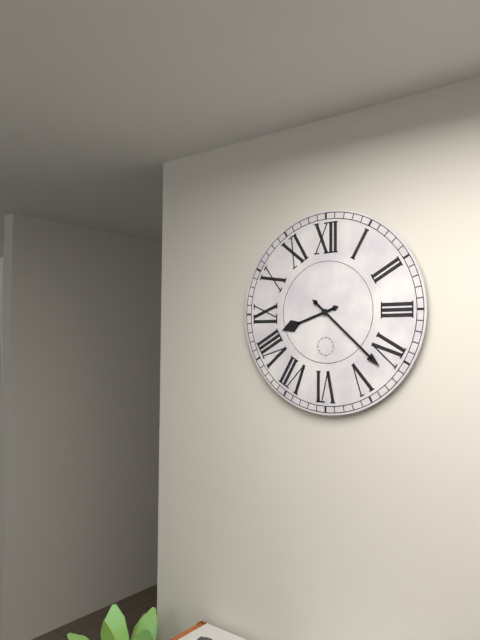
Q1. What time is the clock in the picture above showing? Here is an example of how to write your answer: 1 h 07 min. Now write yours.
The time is 8 h 22 min
